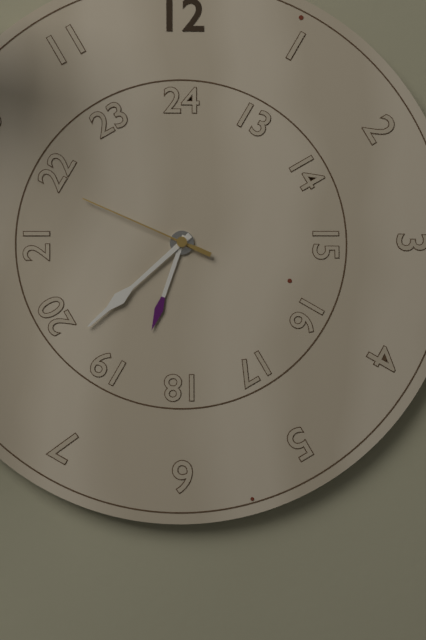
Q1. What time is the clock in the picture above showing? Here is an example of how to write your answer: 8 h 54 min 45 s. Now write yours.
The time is 6 h 38 min 49 s
